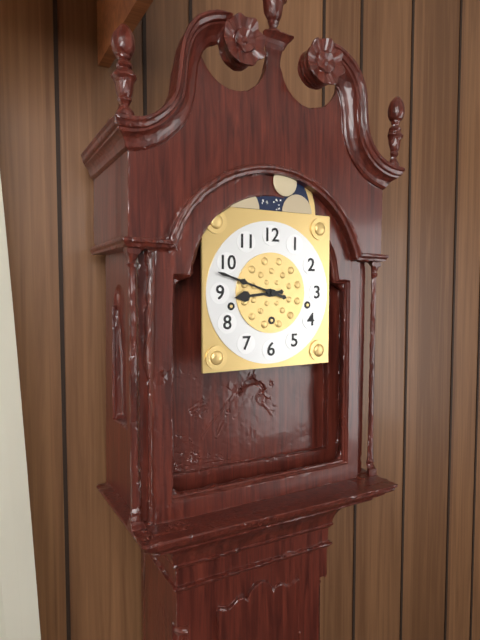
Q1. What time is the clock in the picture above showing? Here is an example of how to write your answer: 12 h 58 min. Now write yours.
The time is 8 h 48 min
